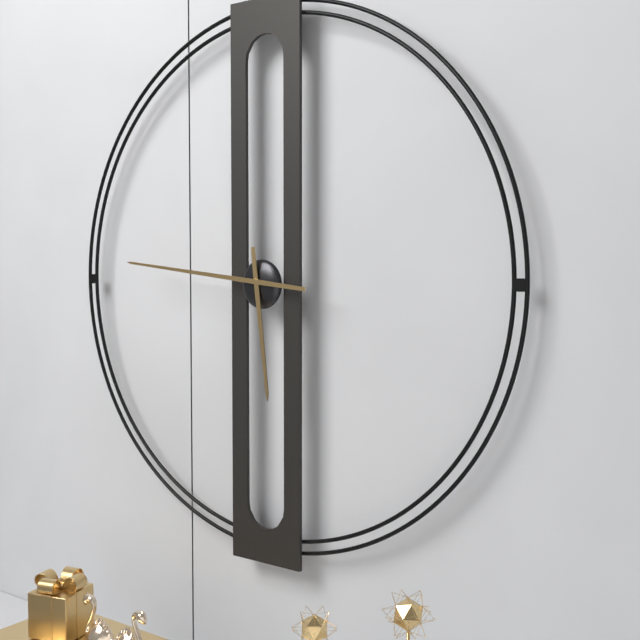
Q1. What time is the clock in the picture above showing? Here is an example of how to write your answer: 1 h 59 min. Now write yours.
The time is 5 h 46 min
